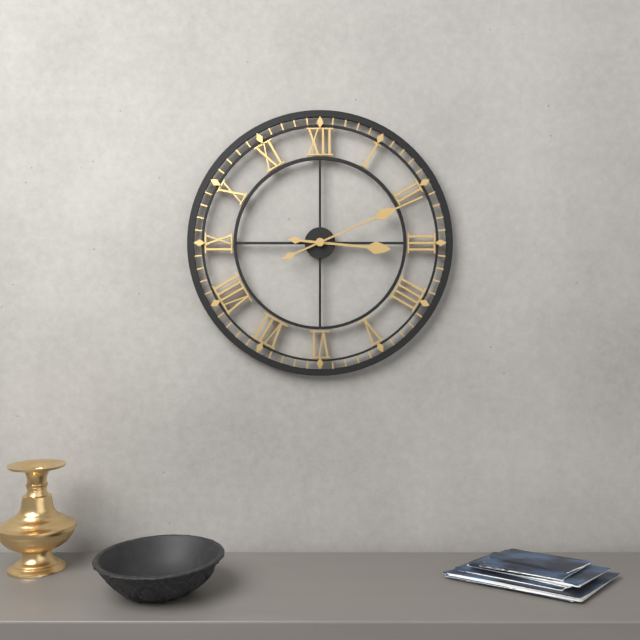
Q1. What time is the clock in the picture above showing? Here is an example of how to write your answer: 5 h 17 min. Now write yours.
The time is 3 h 11 min
